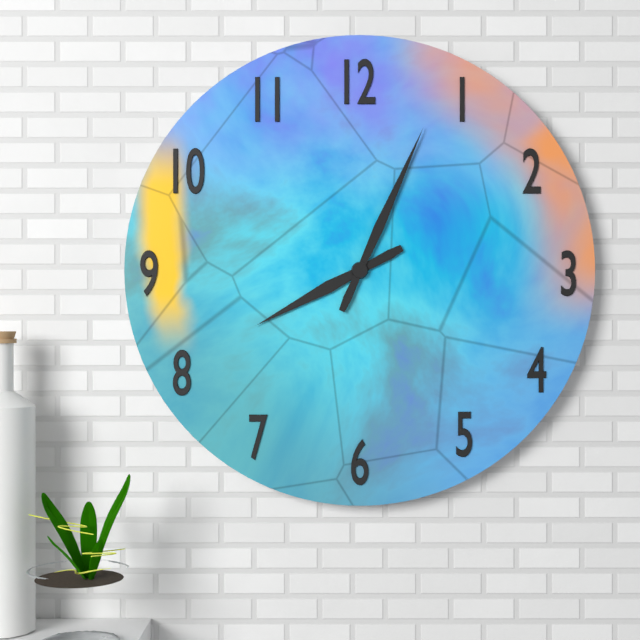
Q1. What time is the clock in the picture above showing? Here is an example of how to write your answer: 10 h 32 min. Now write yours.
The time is 8 h 04 min
